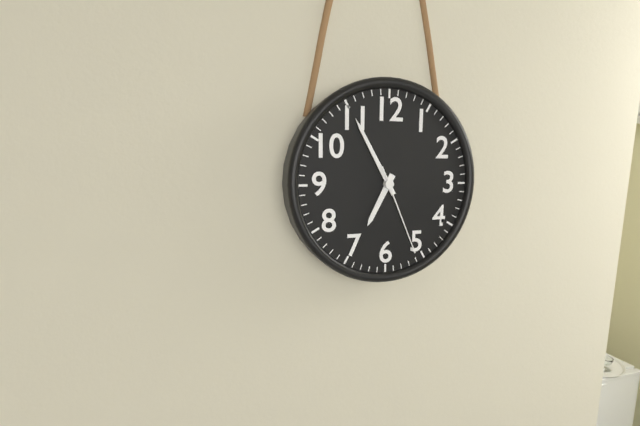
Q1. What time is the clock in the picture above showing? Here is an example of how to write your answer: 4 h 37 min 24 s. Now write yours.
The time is 6 h 55 min 26 s
